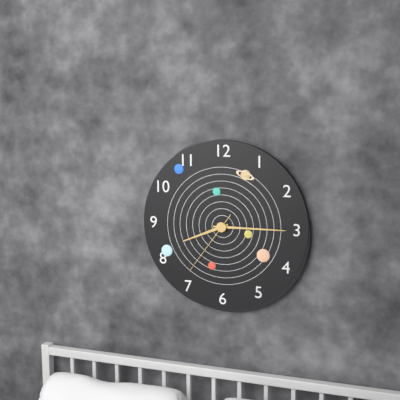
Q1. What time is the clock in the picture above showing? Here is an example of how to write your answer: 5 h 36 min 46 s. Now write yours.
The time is 8 h 15 min 36 s
